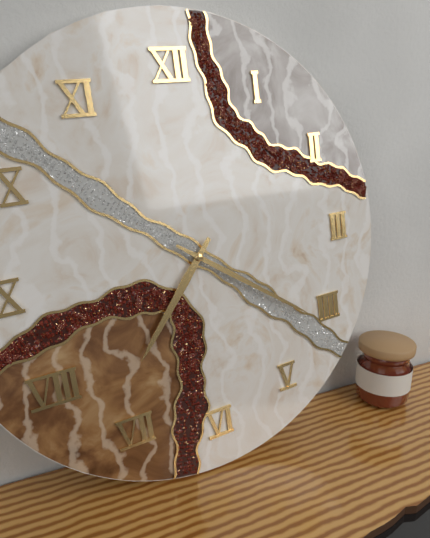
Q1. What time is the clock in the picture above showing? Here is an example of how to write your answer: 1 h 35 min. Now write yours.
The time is 7 h 21 min
